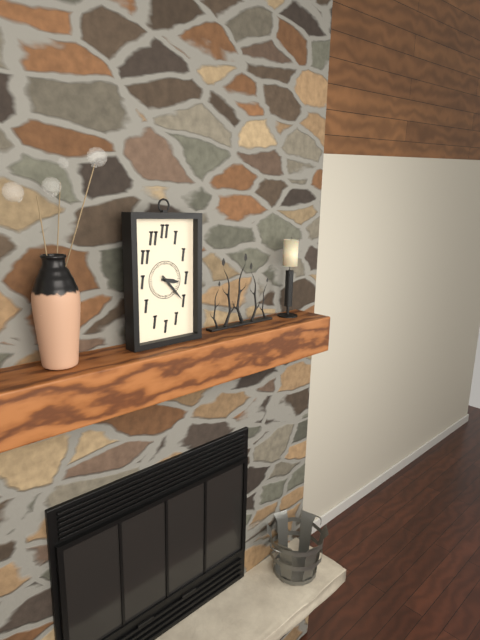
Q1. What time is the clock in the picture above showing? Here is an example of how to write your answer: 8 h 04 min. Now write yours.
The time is 3 h 23 min
